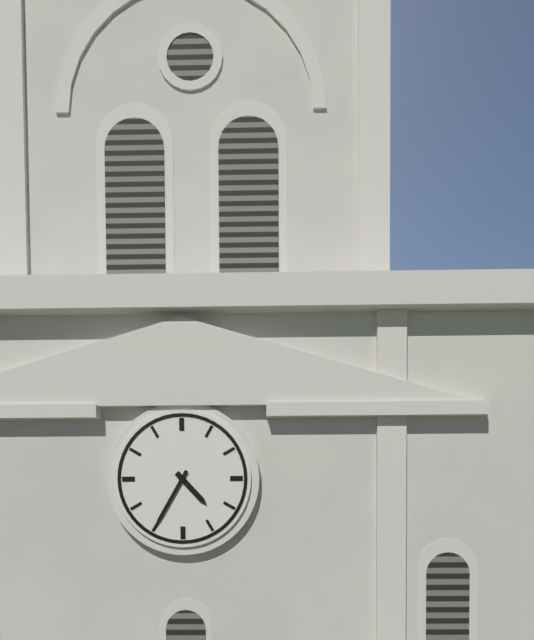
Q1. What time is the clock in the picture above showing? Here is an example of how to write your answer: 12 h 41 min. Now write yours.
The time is 4 h 35 min
